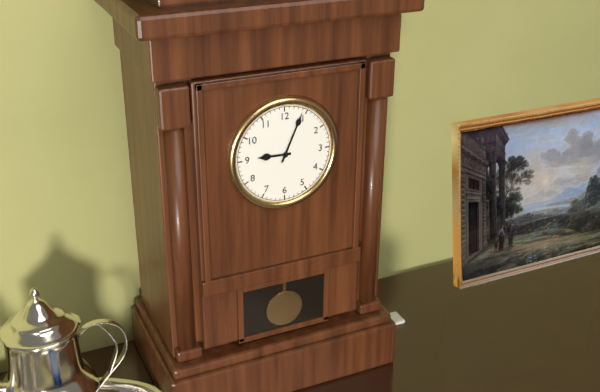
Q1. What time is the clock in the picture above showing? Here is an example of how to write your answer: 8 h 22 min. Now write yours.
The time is 9 h 04 min
